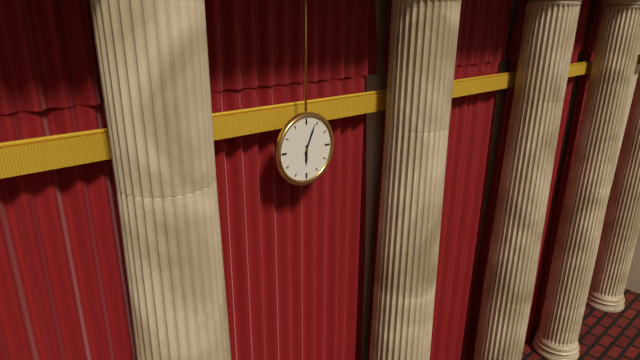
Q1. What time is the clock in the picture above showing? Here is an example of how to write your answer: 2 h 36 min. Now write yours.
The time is 6 h 04 min
